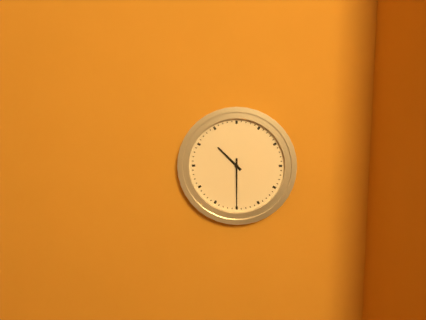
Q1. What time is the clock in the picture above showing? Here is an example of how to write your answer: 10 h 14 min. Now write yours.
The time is 10 h 30 min
